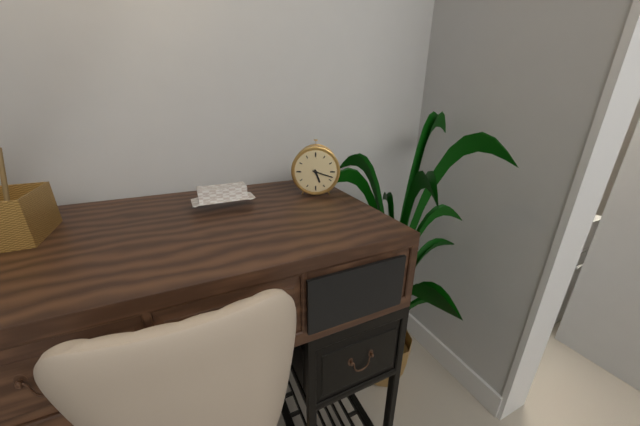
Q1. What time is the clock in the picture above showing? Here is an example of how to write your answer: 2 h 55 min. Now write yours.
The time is 5 h 18 min
